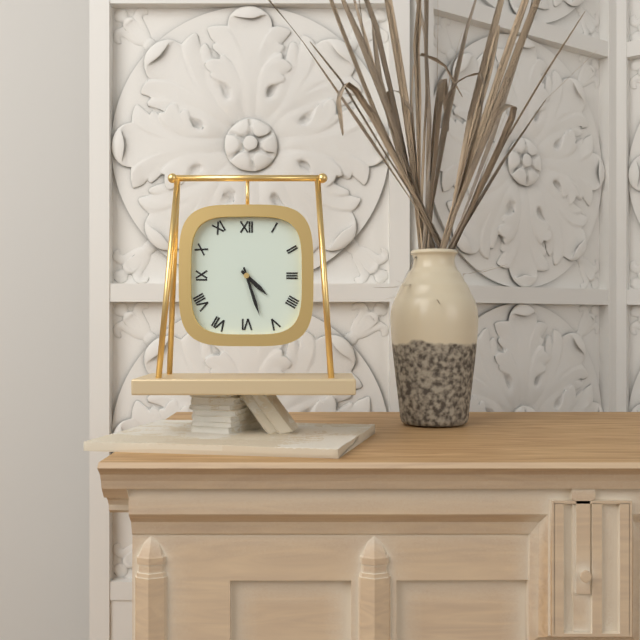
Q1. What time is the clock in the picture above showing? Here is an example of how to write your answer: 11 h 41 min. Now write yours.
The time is 4 h 27 min
